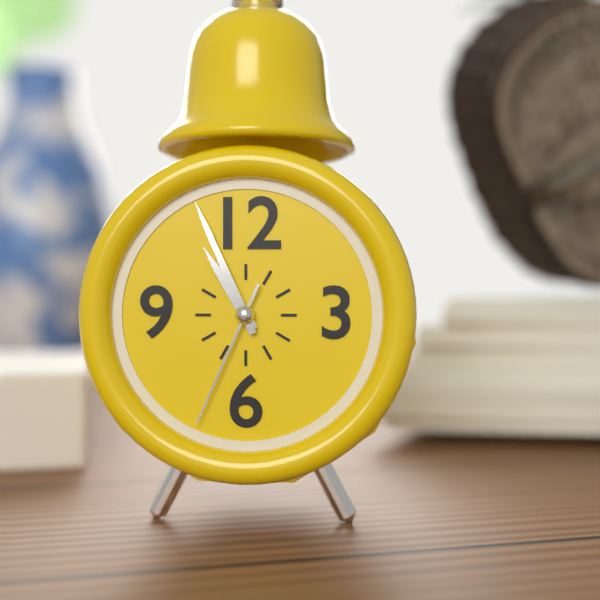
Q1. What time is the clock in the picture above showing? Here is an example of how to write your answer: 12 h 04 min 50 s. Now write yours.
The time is 10 h 56 min 34 s
